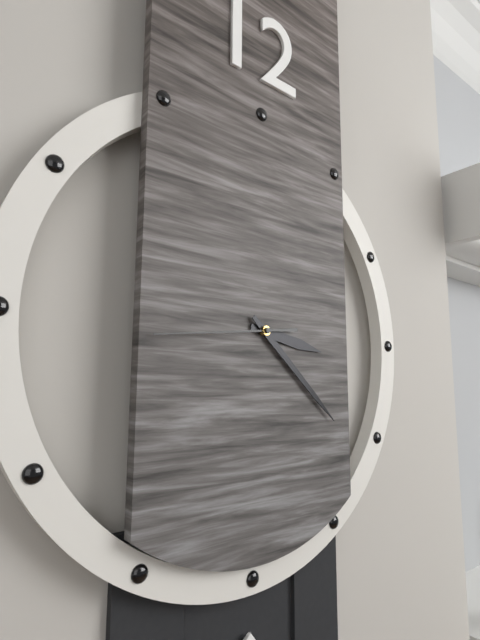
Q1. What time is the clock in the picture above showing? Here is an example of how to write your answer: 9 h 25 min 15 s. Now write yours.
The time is 3 h 22 min 44 s
